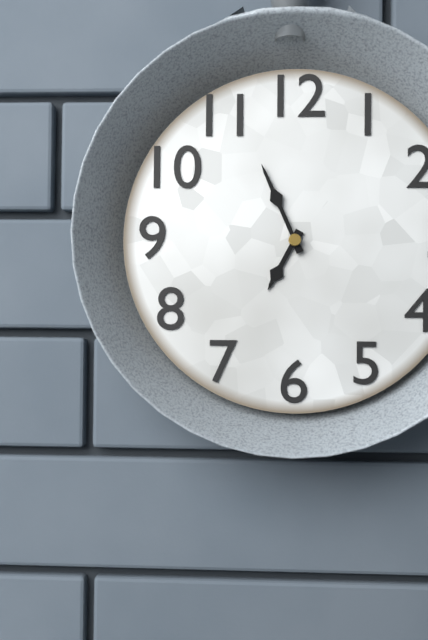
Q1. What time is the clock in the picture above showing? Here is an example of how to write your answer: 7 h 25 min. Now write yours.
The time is 6 h 56 min
